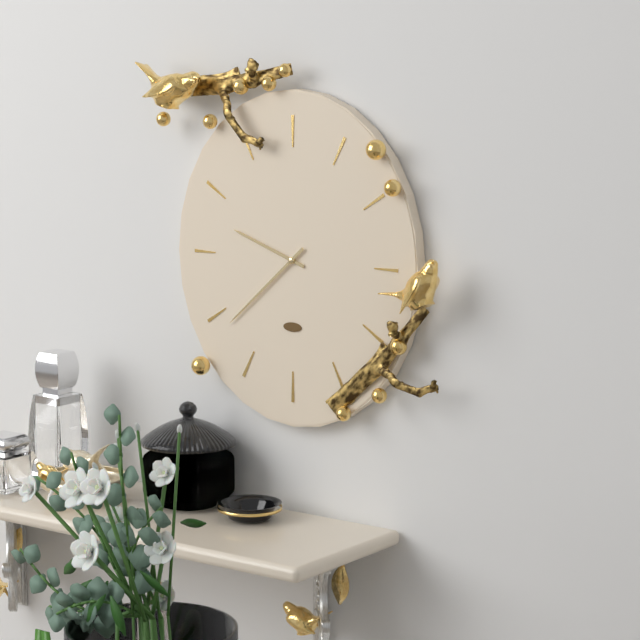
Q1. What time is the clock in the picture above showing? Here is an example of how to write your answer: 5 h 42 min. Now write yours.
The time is 9 h 38 min
